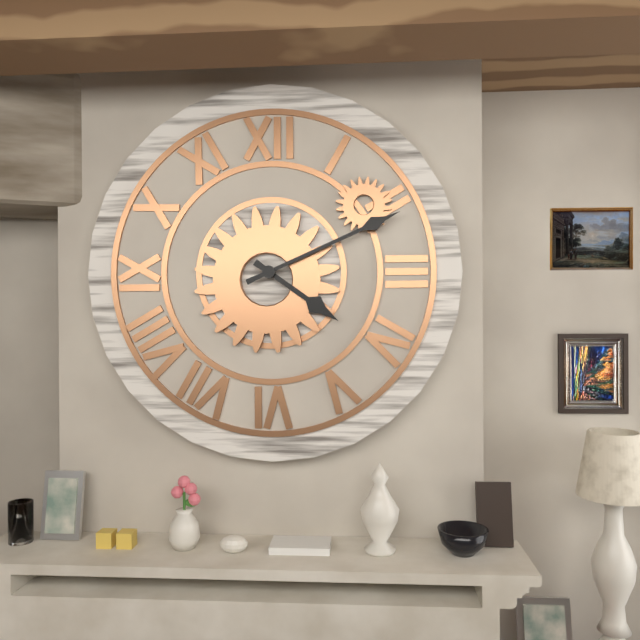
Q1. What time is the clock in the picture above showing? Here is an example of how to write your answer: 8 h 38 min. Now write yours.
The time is 4 h 11 min
